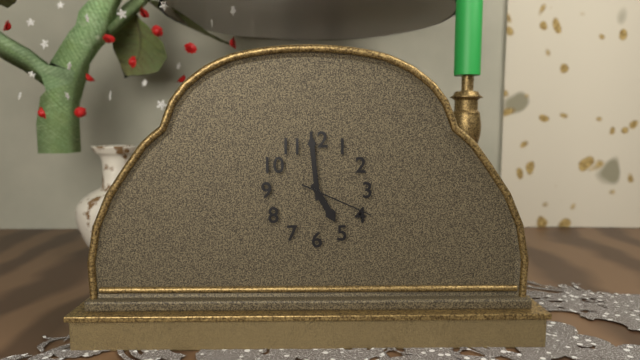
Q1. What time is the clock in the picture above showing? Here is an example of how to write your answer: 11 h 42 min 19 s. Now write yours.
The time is 4 h 59 min 19 s
